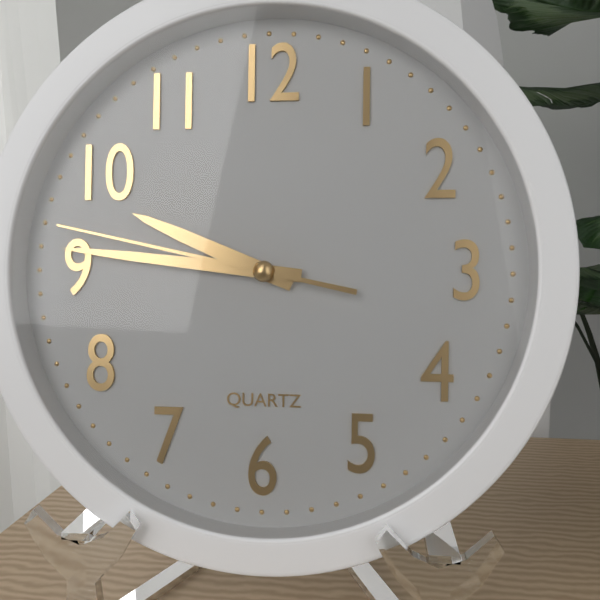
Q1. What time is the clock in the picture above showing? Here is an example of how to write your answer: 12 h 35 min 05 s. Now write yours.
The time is 9 h 46 min 47 s
